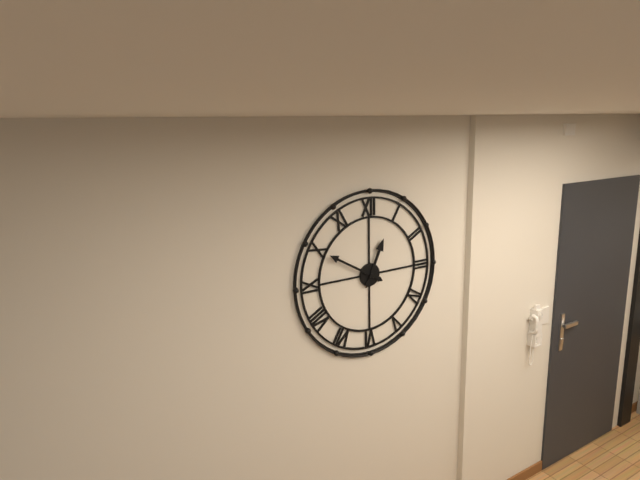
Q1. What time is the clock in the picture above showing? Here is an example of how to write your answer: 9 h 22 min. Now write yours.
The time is 12 h 50 min
